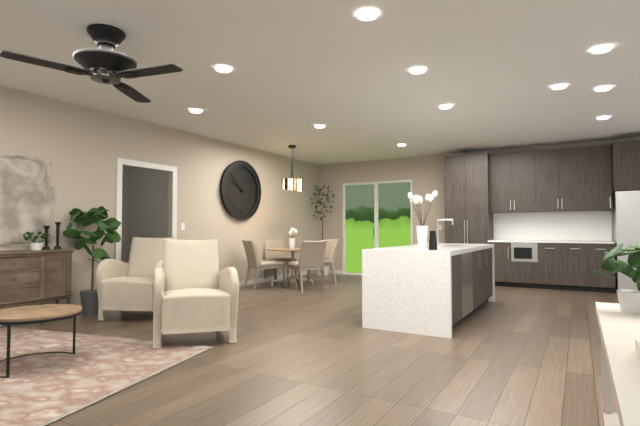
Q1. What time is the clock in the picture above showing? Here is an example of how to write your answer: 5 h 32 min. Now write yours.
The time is 9 h 52 min
